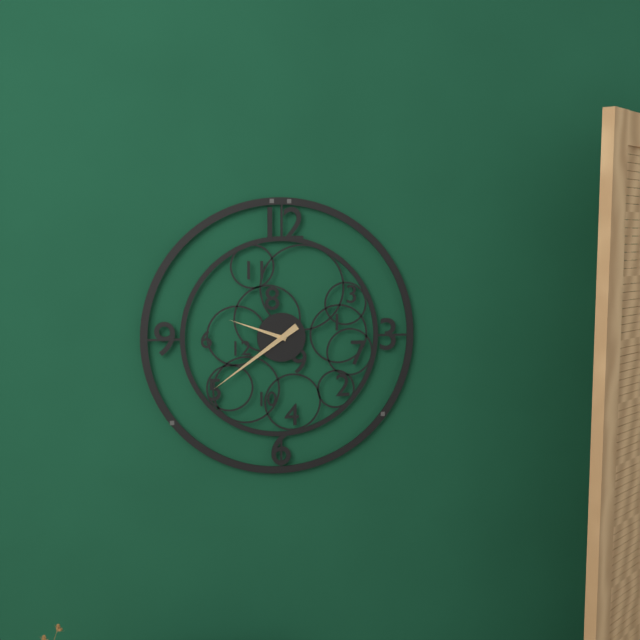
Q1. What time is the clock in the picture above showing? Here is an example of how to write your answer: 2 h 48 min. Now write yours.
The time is 9 h 39 min
